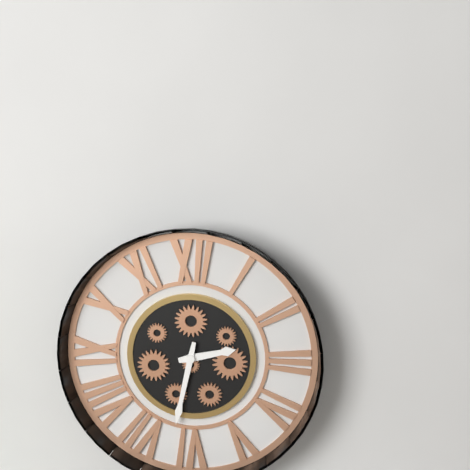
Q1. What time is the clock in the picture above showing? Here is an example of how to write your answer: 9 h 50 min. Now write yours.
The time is 2 h 32 min
